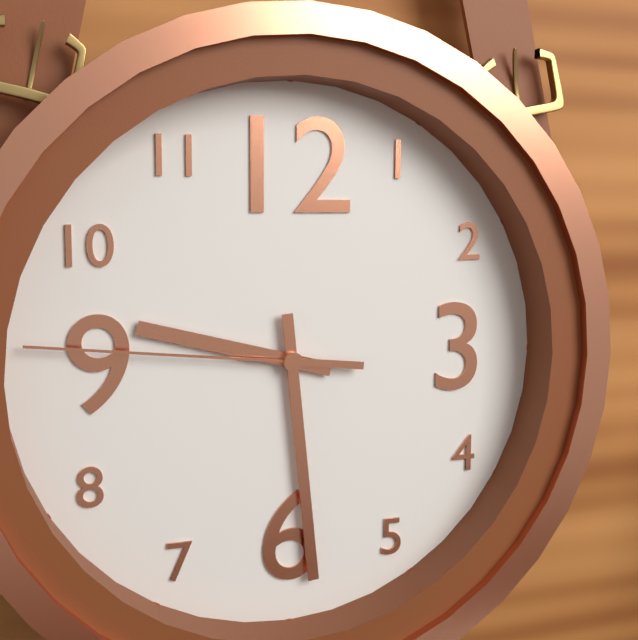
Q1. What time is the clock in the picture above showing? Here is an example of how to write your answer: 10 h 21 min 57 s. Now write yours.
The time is 9 h 29 min 46 s
